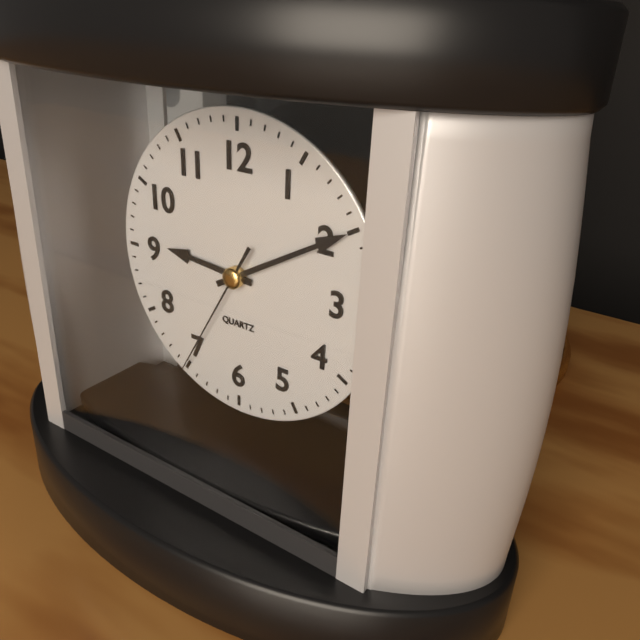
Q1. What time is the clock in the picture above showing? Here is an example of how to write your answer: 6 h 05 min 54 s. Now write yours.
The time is 9 h 10 min 35 s
